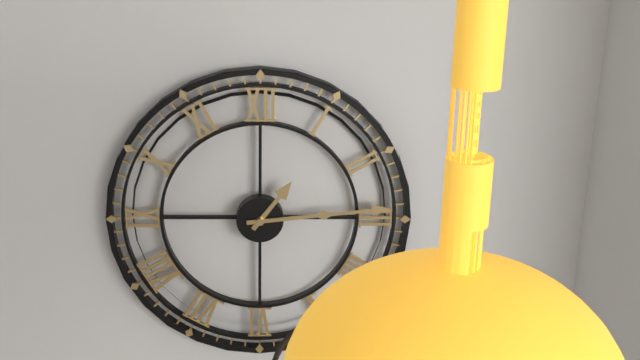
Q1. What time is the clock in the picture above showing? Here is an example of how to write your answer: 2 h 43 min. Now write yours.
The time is 1 h 14 min
